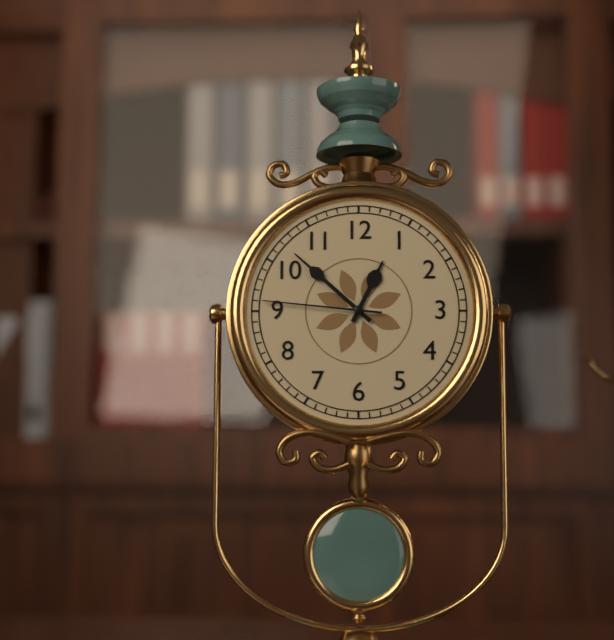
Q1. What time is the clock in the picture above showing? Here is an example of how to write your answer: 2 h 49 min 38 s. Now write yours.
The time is 12 h 52 min 46 s
